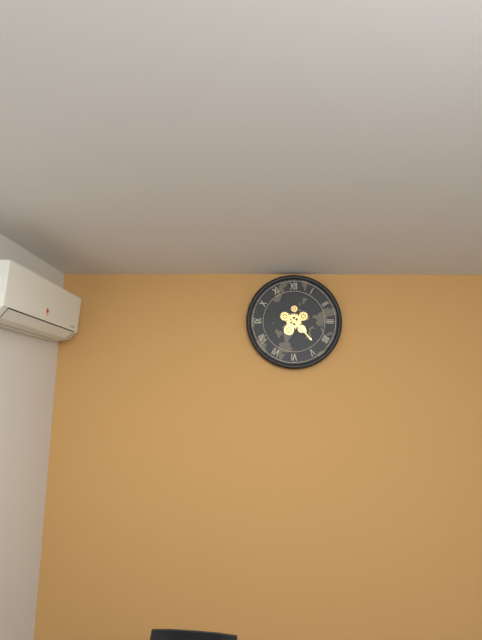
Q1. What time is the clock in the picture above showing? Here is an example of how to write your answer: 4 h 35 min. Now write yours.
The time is 4 h 23 min
